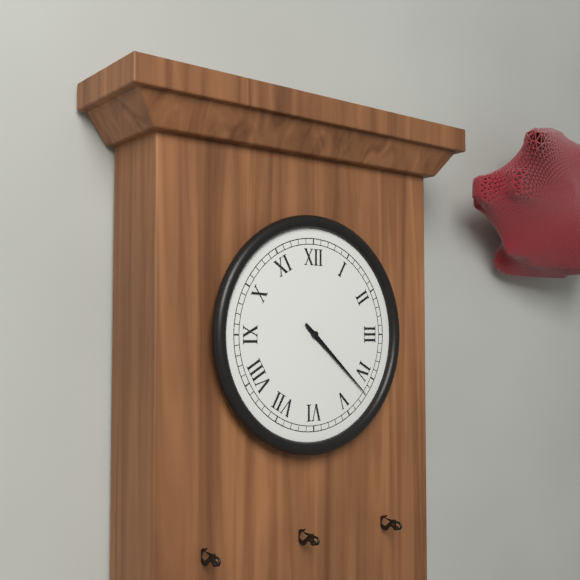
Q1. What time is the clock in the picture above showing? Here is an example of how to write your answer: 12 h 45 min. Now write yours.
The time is 4 h 22 min
